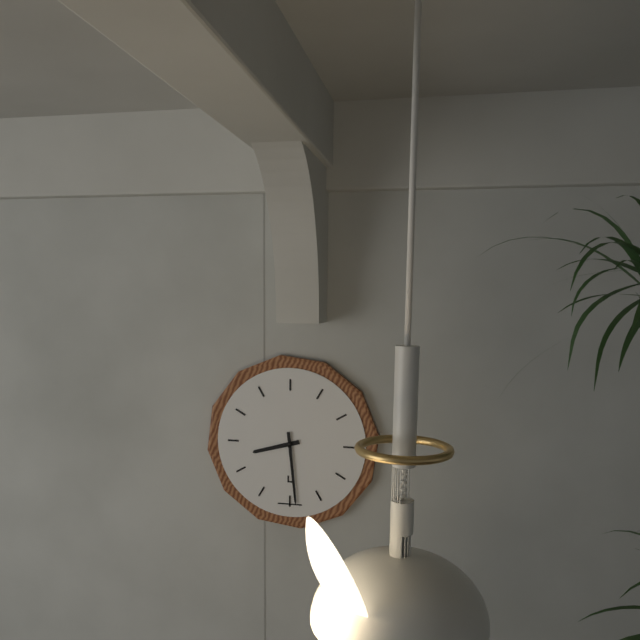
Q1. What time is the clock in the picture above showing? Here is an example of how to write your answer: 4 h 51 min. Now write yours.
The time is 8 h 29 min
